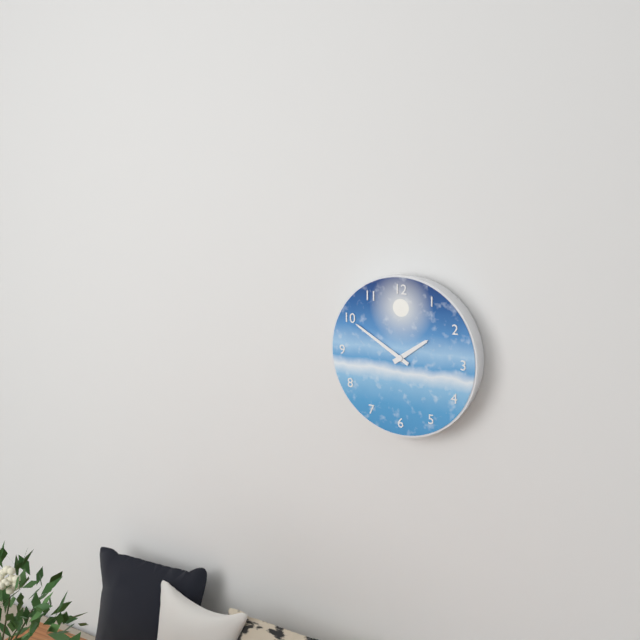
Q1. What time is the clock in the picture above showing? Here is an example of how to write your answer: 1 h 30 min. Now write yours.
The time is 1 h 50 min
